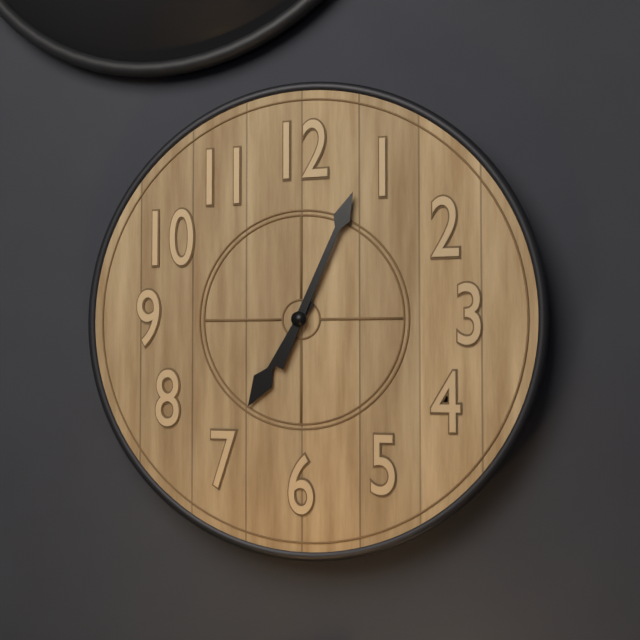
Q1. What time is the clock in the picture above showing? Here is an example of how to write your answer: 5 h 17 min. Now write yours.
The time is 7 h 04 min
